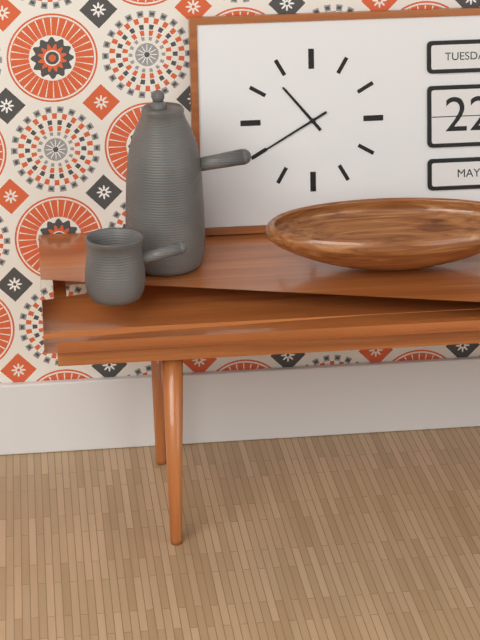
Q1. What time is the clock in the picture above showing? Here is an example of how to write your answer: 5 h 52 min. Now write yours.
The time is 10 h 40 min
